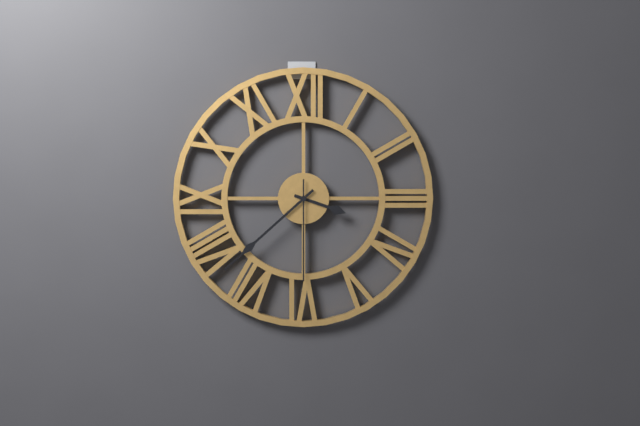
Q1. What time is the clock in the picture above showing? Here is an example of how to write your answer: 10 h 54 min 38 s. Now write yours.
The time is 3 h 38 min 30 s
